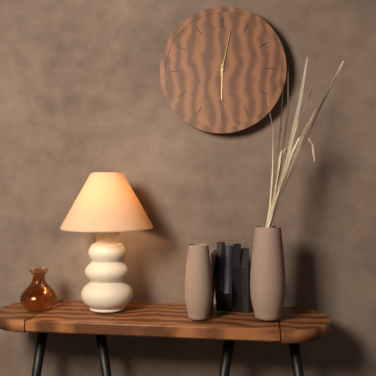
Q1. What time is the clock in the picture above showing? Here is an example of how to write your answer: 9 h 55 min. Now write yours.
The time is 6 h 02 min
